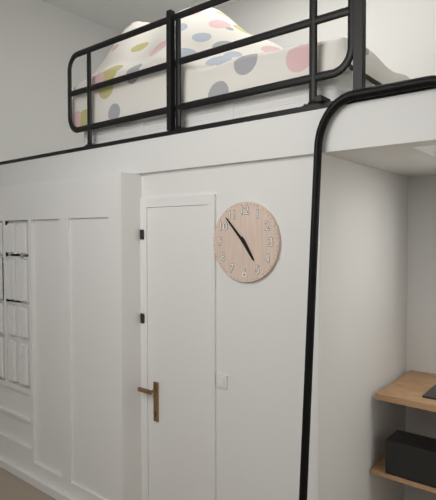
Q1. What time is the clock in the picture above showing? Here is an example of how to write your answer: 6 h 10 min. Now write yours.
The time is 4 h 53 min
